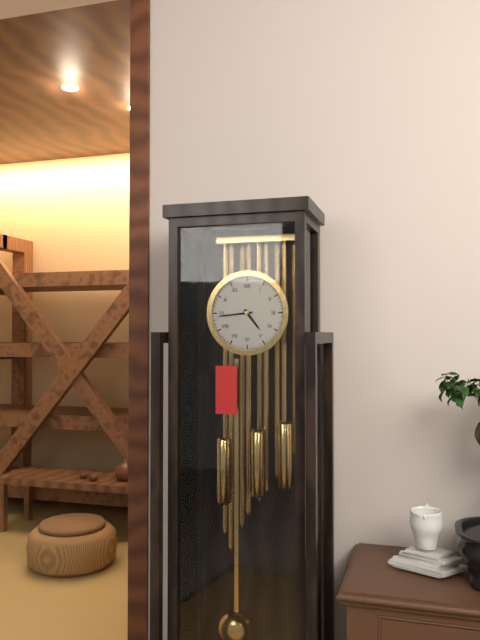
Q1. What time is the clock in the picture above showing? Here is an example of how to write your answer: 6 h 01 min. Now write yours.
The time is 4 h 44 min
